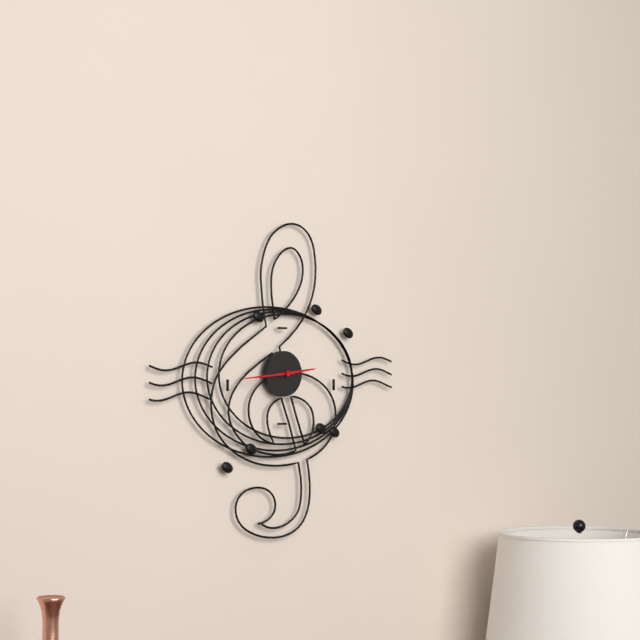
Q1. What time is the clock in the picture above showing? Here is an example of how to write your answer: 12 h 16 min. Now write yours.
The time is 2 h 44 min
